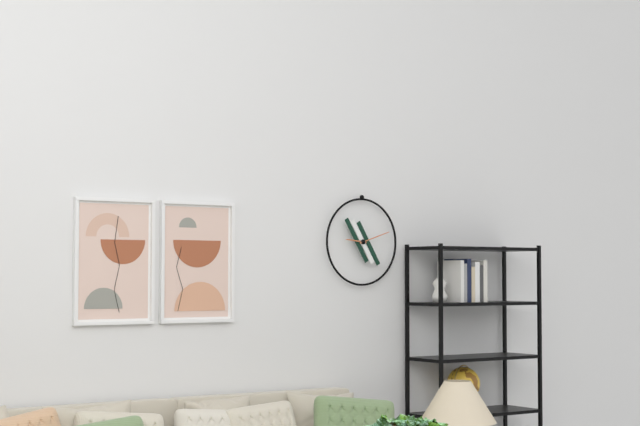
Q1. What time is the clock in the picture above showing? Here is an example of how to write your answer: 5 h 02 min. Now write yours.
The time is 9 h 12 min
